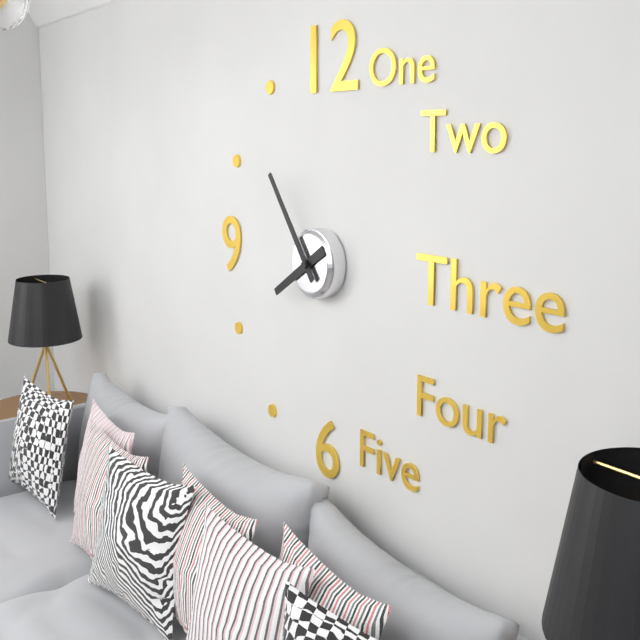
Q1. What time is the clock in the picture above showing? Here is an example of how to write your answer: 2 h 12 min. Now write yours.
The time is 7 h 54 min
